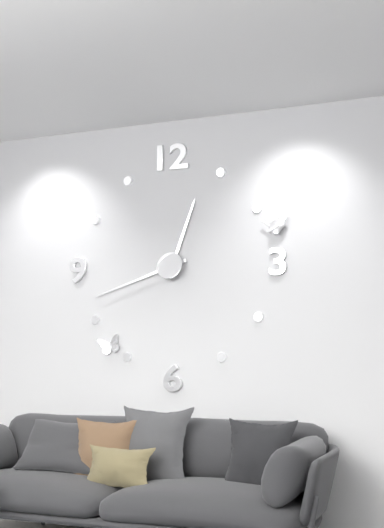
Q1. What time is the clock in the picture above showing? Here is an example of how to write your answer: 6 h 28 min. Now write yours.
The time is 12 h 42 min
